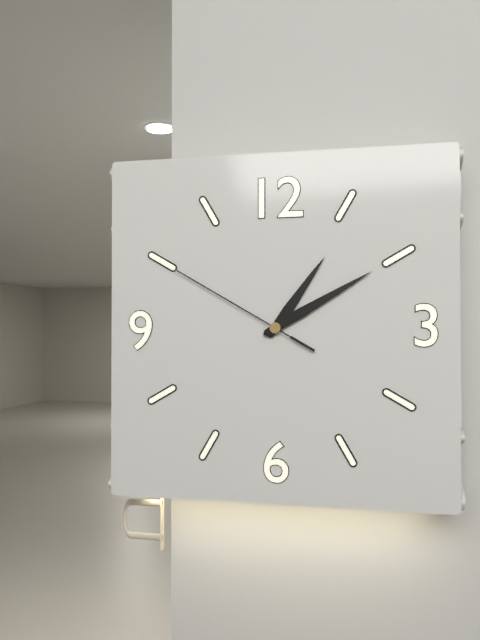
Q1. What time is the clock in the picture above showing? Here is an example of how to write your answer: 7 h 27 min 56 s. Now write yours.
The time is 1 h 10 min 50 s
